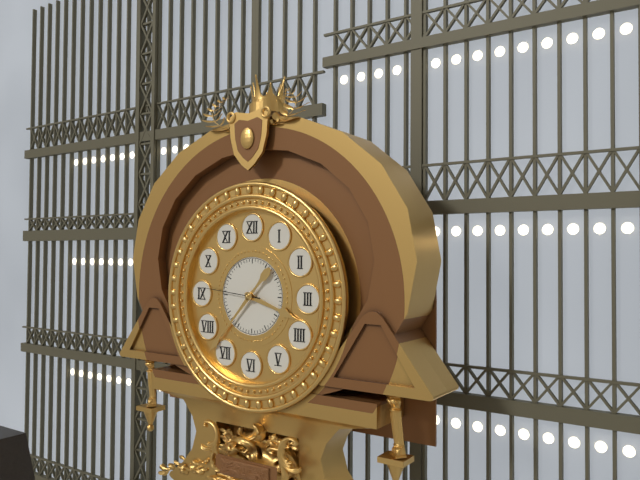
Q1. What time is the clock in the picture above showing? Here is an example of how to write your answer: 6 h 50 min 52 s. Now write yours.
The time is 3 h 37 min 46 s
